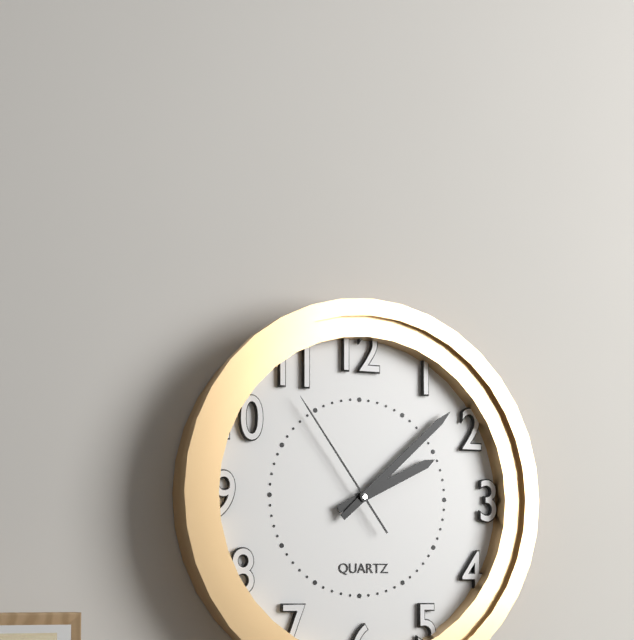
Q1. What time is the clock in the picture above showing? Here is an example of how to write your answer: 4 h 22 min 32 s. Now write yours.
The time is 2 h 08 min 54 s
